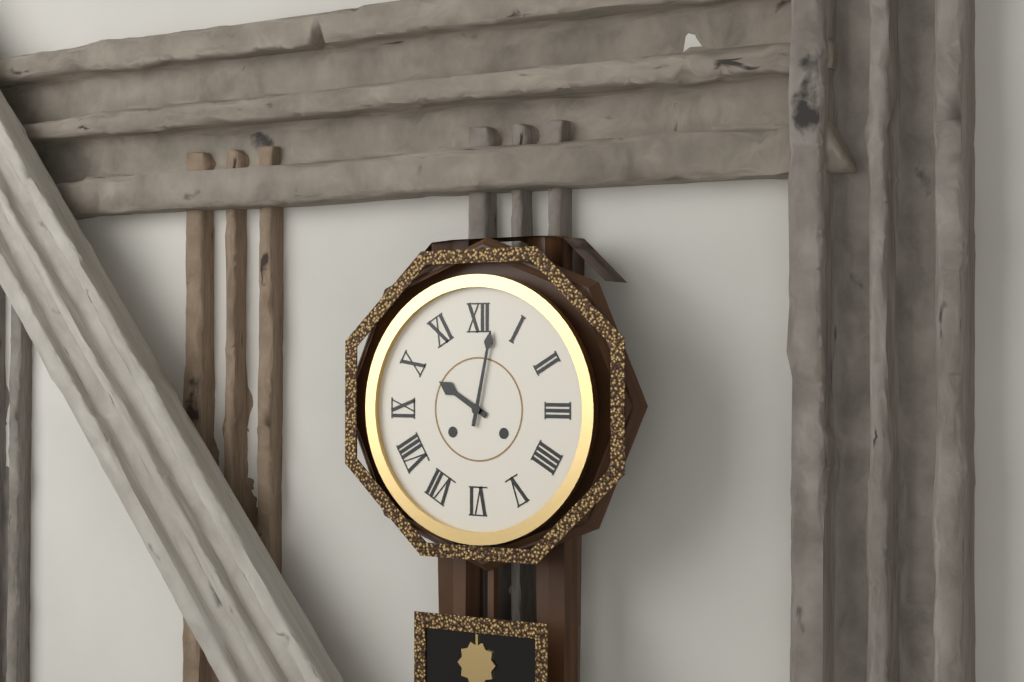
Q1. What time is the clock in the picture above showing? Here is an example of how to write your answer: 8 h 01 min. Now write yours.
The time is 10 h 02 min
